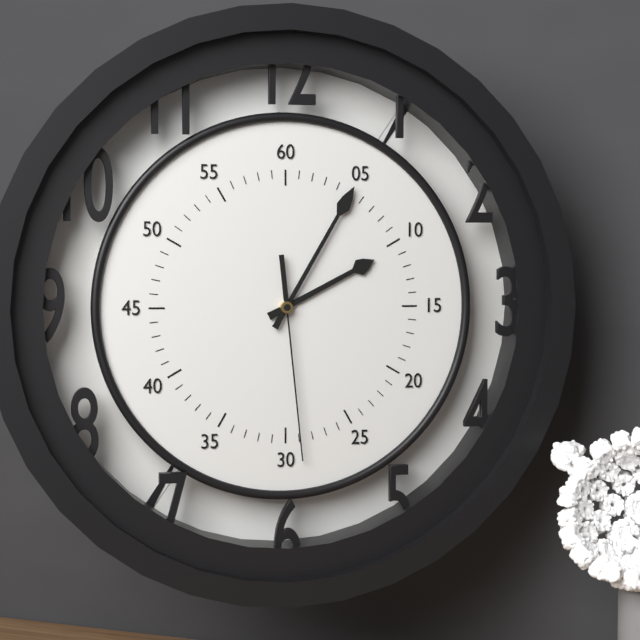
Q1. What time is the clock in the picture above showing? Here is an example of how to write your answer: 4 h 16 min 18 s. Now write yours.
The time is 2 h 05 min 29 s
